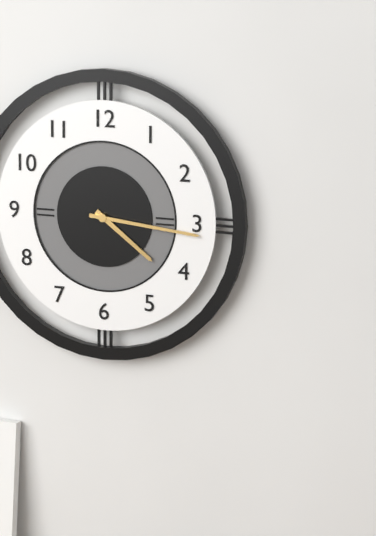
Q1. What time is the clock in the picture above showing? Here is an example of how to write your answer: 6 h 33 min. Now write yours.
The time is 4 h 16 min
